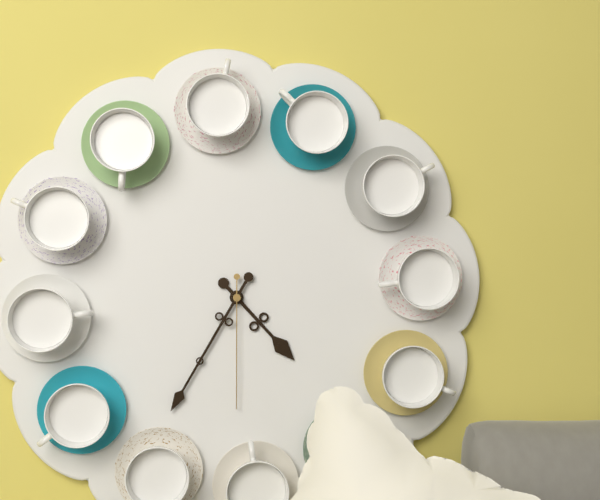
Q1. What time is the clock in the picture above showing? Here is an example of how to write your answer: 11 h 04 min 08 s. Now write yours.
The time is 4 h 35 min 30 s
